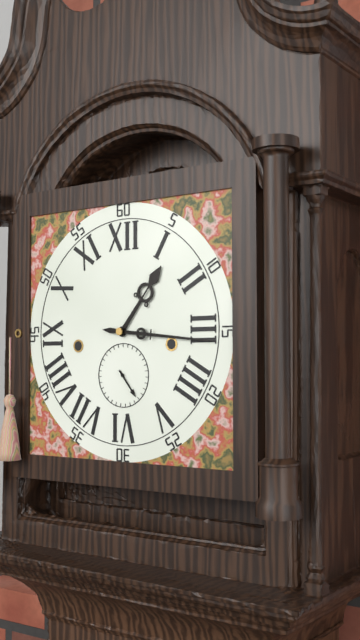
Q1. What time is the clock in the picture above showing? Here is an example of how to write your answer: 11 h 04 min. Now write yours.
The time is 1 h 16 min
